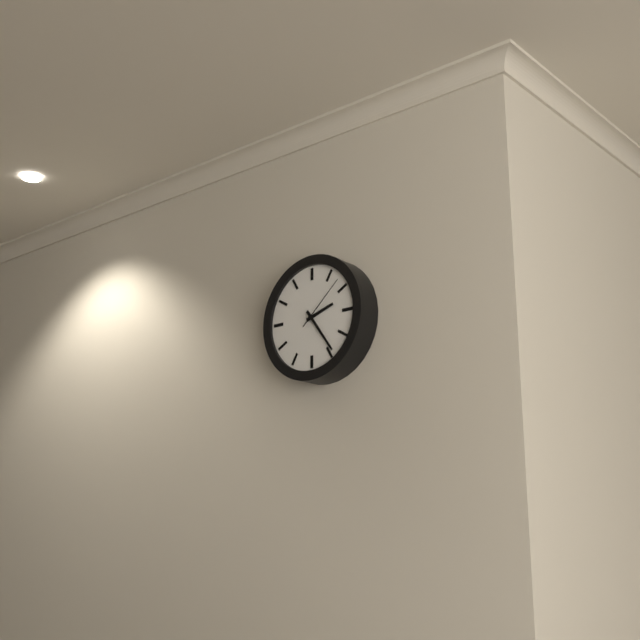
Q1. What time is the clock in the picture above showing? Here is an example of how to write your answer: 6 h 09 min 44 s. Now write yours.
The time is 2 h 24 min 08 s
